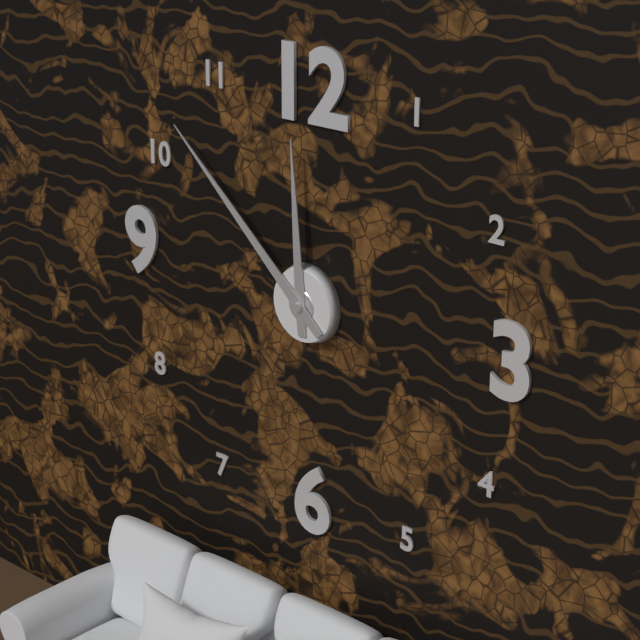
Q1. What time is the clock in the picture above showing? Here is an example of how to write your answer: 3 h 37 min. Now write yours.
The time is 11 h 52 min
